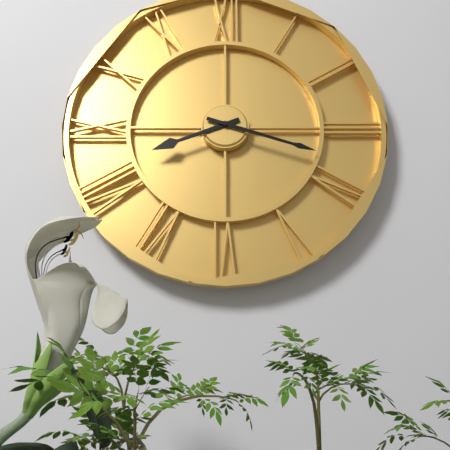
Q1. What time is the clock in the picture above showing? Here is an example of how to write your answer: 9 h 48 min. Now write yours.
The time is 8 h 18 min
